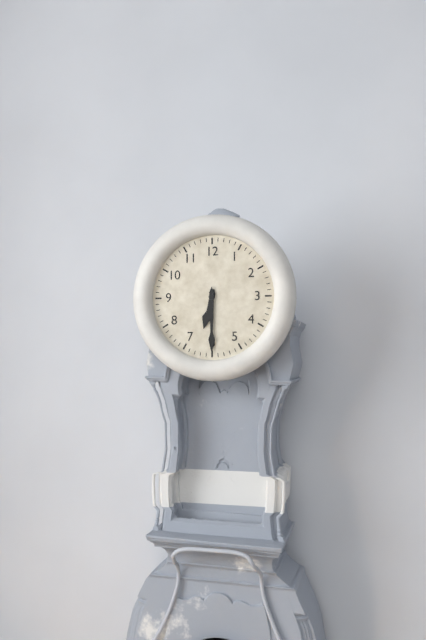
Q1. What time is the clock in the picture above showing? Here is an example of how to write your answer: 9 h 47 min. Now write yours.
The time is 6 h 30 min
